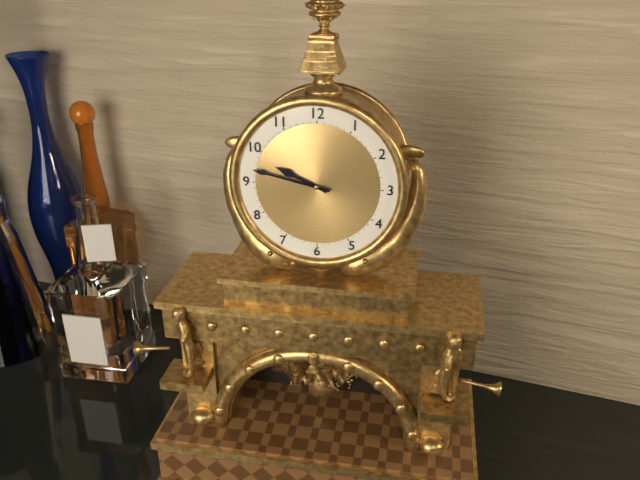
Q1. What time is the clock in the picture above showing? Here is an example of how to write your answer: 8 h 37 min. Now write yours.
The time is 9 h 47 min
